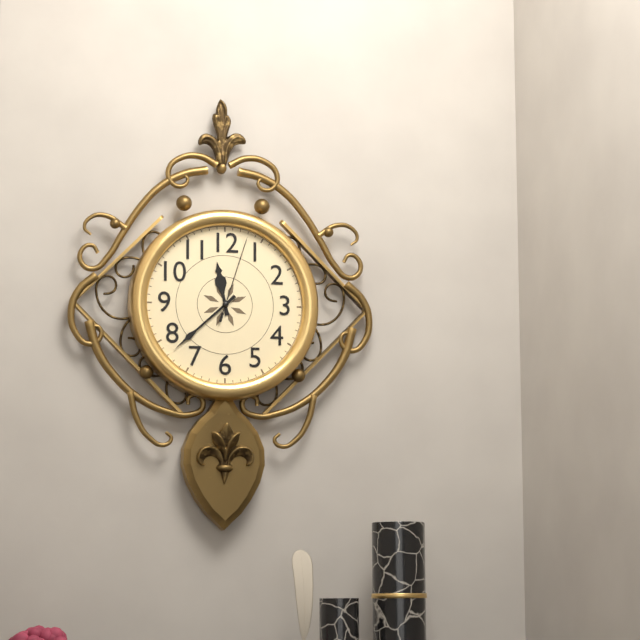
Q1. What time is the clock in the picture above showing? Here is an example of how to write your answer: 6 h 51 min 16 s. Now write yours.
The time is 11 h 38 min 03 s
